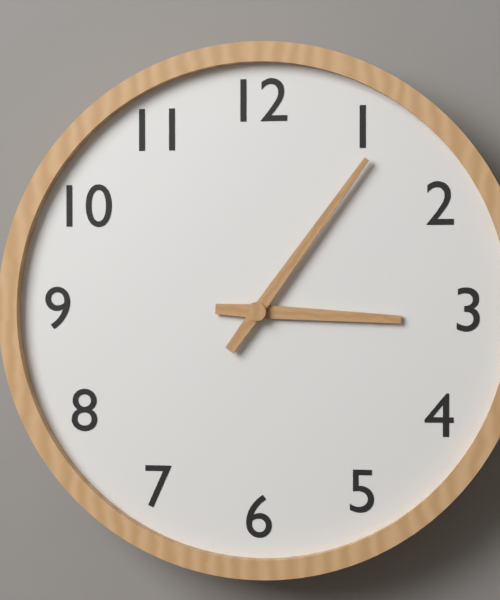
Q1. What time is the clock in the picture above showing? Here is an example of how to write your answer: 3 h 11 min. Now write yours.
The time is 3 h 06 min
